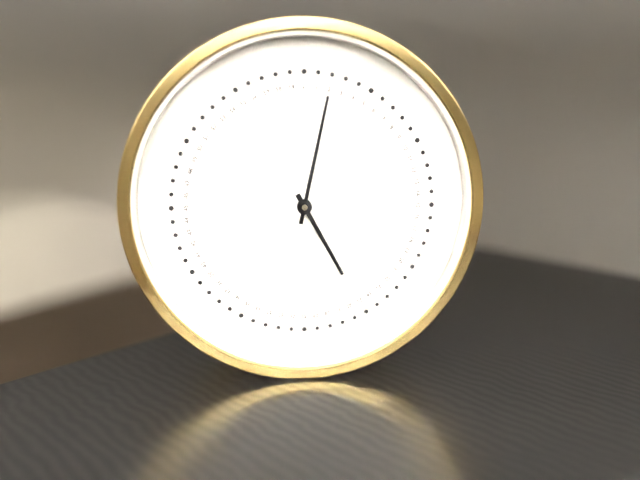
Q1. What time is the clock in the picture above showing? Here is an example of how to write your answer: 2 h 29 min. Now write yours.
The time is 5 h 02 min
